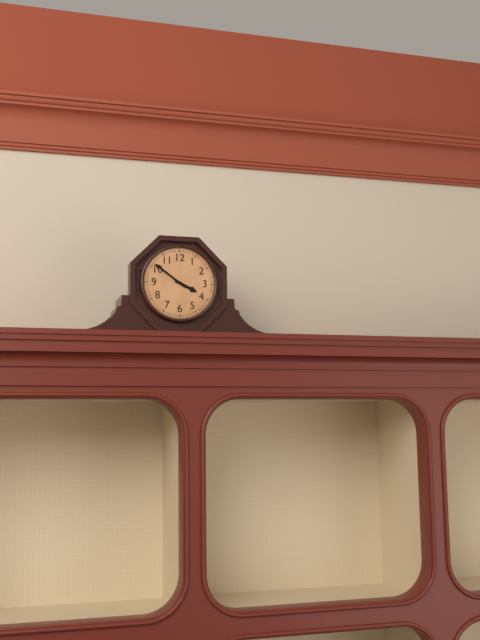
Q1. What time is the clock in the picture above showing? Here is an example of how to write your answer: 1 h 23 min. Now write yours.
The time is 3 h 51 min
